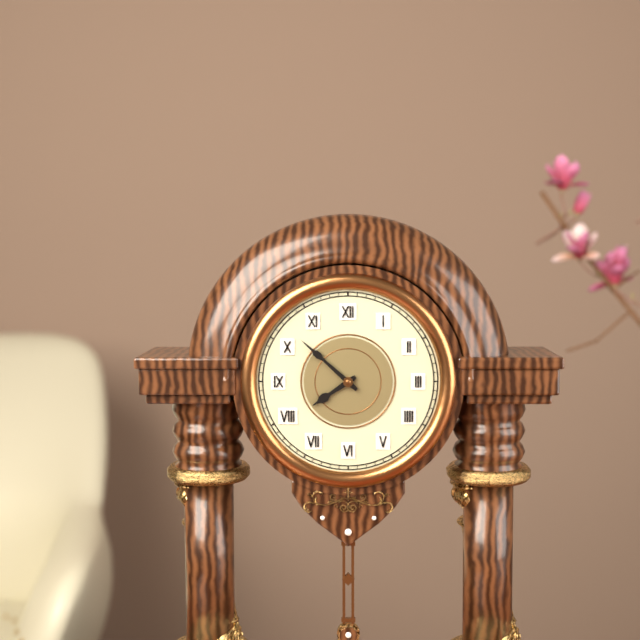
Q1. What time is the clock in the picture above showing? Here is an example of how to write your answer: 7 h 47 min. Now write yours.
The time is 7 h 52 min
